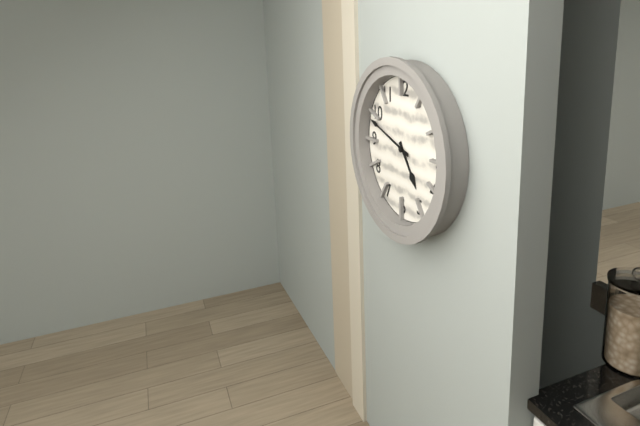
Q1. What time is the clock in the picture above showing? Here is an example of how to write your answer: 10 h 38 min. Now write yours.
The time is 4 h 48 min
